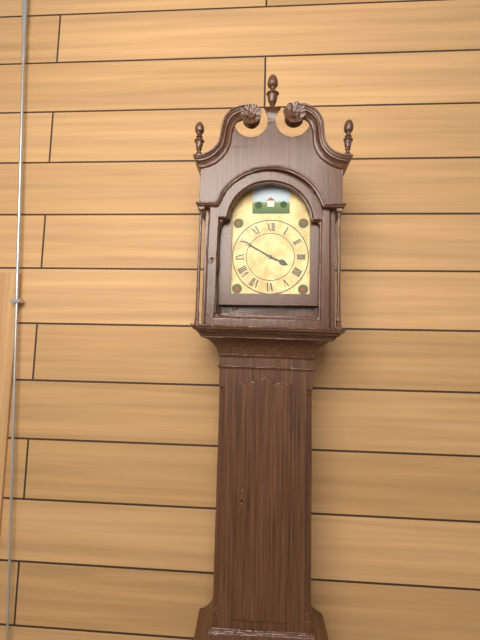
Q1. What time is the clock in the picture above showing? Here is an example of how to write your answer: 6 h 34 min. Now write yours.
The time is 3 h 50 min
